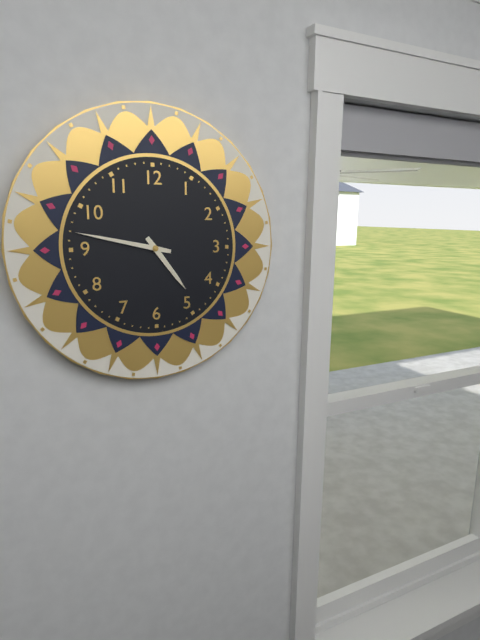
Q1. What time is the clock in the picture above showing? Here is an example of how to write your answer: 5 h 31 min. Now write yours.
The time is 4 h 47 min
